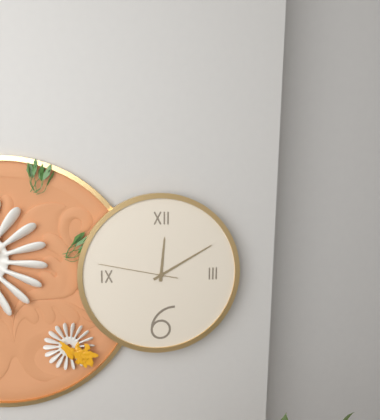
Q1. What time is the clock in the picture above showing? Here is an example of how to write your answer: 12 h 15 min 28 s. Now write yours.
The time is 12 h 10 min 47 s
